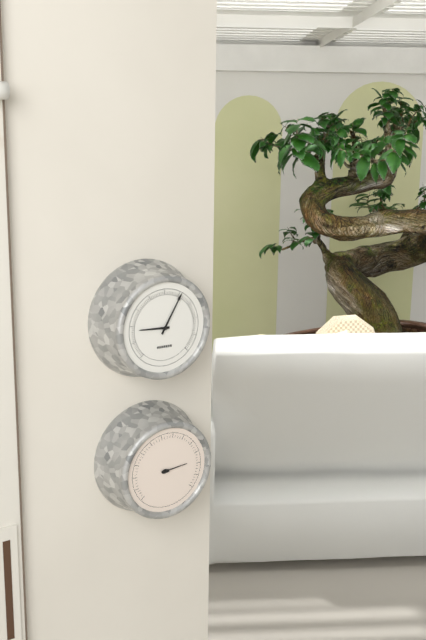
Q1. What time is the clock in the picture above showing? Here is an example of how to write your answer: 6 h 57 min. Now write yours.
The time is 9 h 05 min
